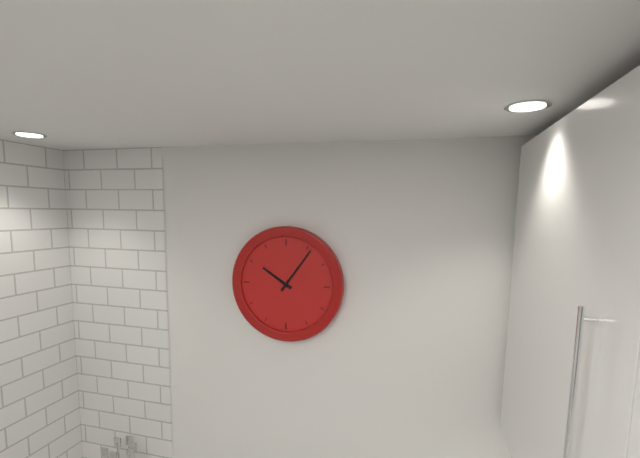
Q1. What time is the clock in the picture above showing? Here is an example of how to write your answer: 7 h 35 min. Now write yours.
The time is 10 h 06 min
